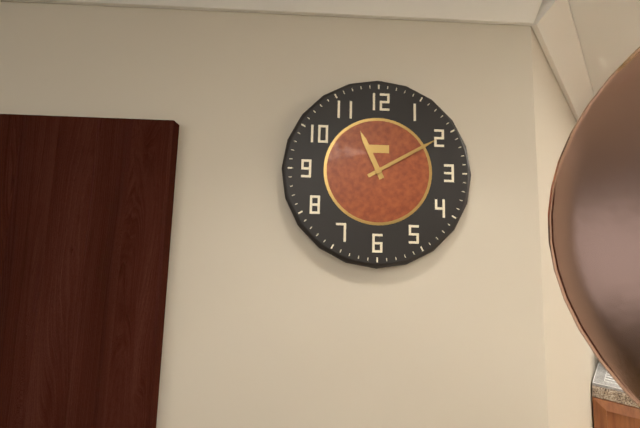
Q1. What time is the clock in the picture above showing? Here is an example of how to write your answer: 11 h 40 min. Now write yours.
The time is 11 h 10 min
